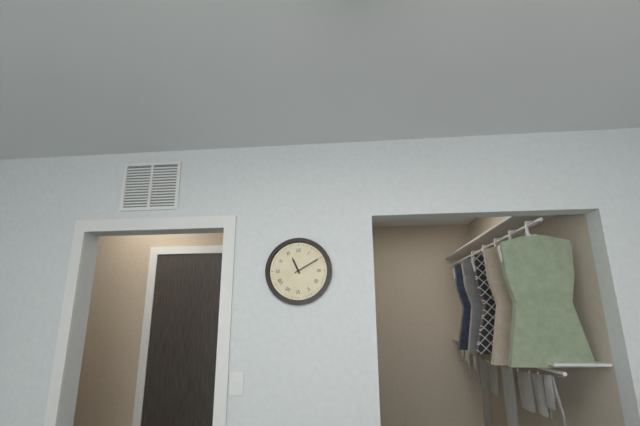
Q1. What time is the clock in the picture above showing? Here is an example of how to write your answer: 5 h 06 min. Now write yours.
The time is 11 h 10 min
